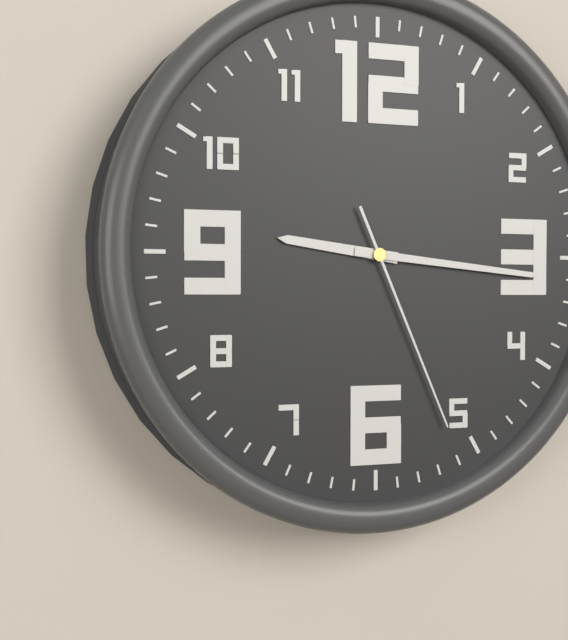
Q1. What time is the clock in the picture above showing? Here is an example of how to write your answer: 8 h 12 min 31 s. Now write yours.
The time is 9 h 16 min 26 s
